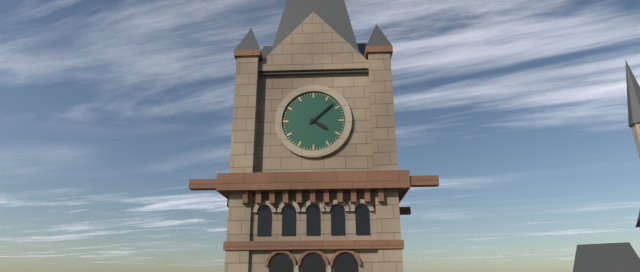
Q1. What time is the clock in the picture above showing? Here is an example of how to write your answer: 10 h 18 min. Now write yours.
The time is 4 h 08 min
